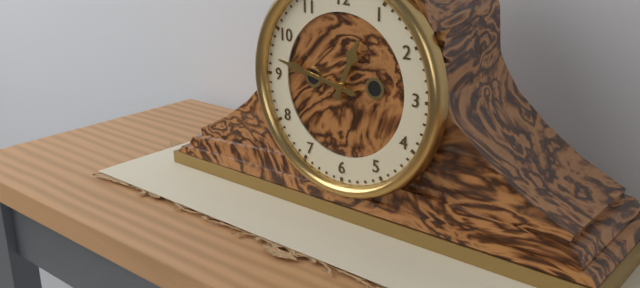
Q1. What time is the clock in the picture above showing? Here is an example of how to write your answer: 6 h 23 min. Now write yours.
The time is 12 h 47 min
